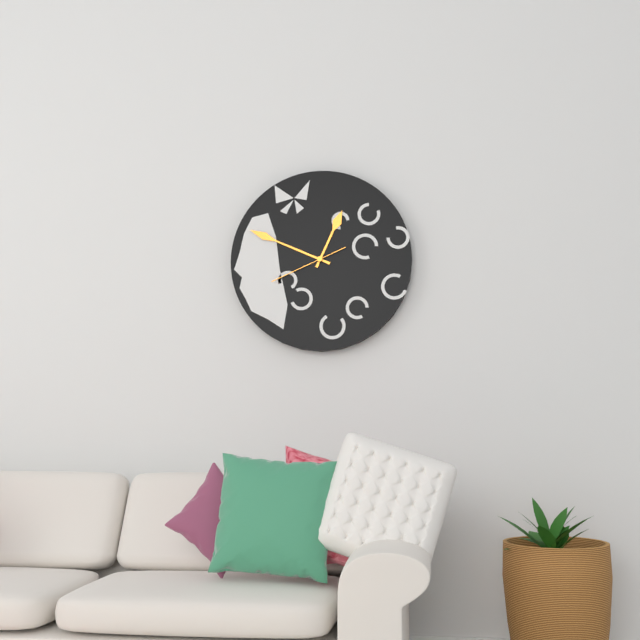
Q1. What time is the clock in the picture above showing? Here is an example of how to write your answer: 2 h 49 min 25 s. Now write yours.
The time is 12 h 49 min 41 s
